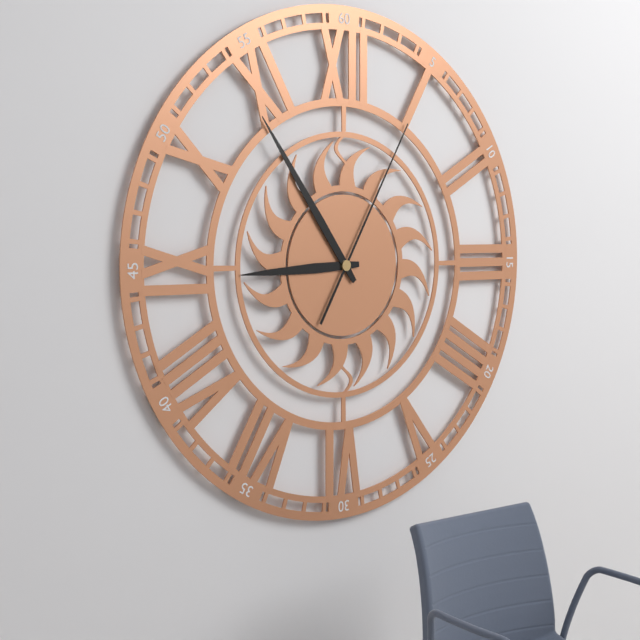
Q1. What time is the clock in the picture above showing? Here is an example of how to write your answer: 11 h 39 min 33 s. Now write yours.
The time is 8 h 54 min 05 s
